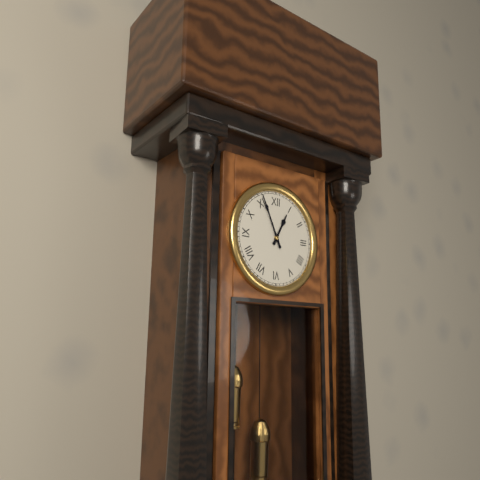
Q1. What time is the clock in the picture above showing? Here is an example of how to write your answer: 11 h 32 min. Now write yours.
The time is 12 h 56 min
